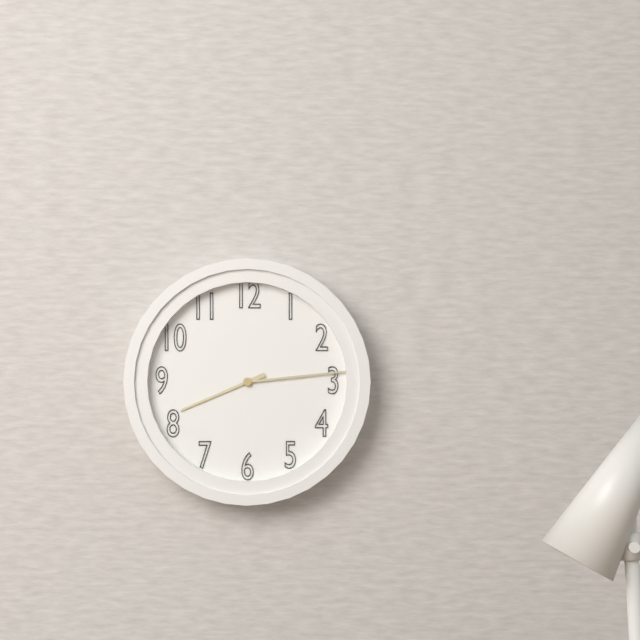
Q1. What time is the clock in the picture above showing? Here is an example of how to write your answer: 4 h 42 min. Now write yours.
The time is 8 h 14 min
